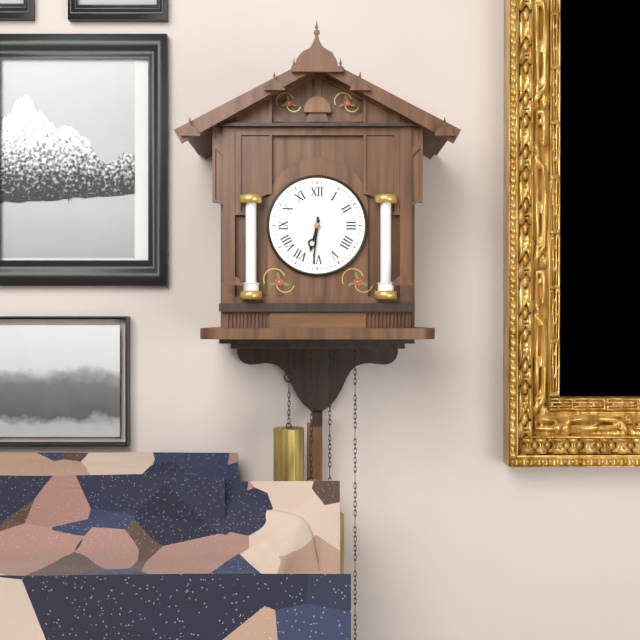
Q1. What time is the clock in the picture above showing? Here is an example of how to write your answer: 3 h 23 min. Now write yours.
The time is 6 h 31 min
